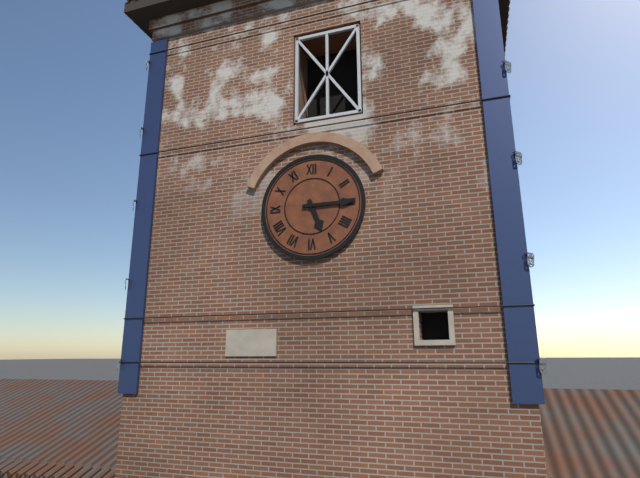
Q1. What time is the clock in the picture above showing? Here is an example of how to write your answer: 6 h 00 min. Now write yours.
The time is 5 h 15 min
